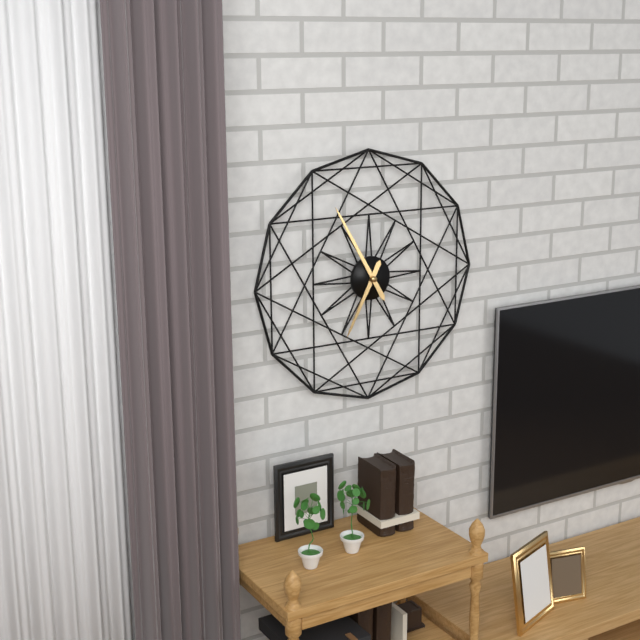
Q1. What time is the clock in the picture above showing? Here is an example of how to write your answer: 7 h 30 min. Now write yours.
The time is 6 h 55 min
